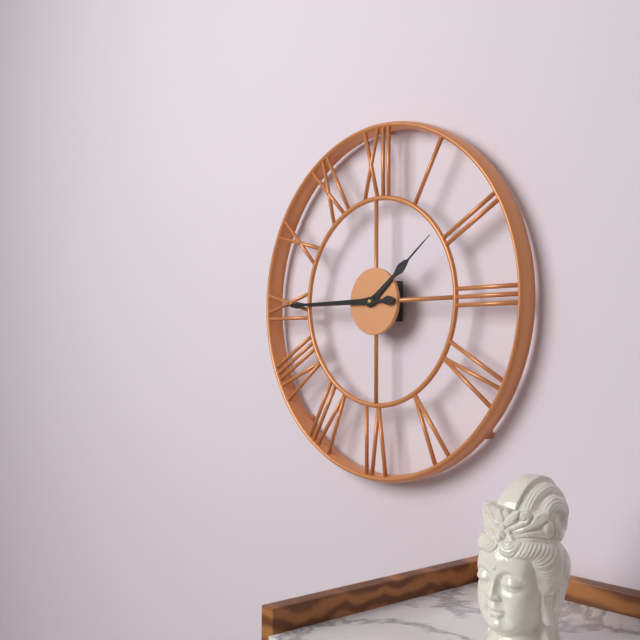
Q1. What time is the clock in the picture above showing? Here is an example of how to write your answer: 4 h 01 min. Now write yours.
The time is 1 h 45 min
